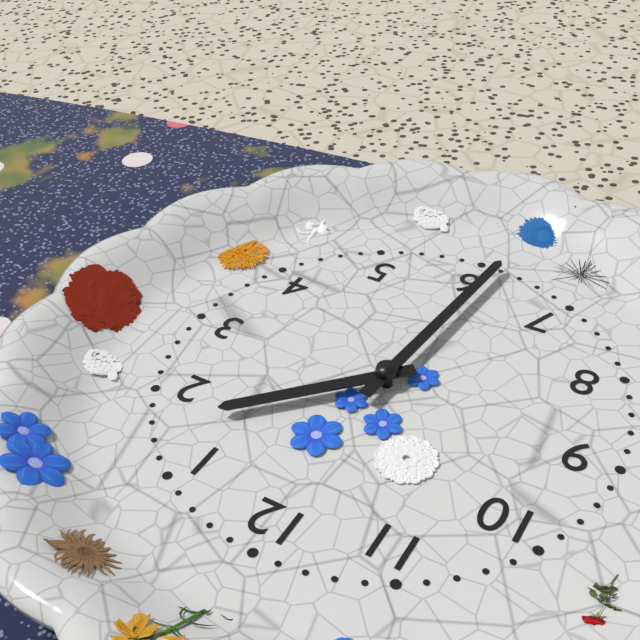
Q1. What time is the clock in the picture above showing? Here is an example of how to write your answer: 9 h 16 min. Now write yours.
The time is 1 h 31 min
